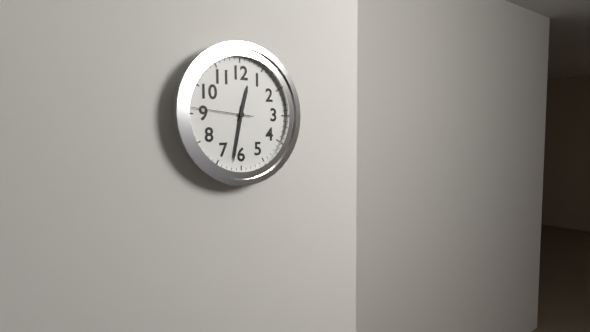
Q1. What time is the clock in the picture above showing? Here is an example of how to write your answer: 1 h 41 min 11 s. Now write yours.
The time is 12 h 32 min 46 s
